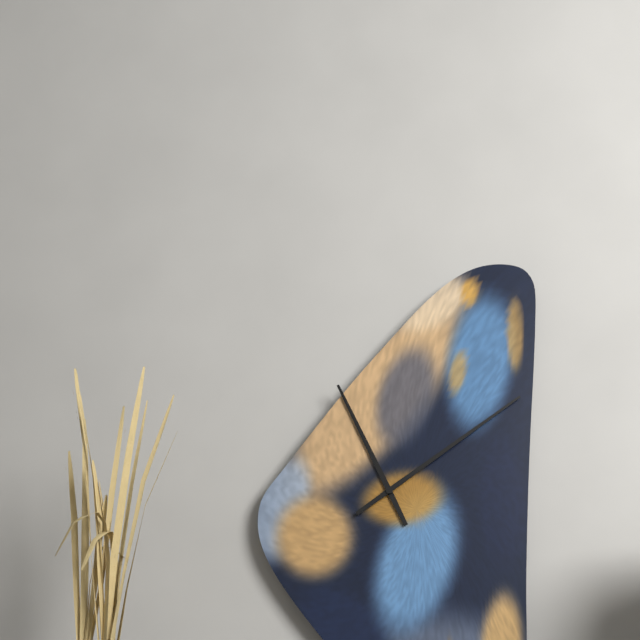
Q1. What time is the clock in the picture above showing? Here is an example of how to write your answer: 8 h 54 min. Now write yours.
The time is 11 h 09 min
